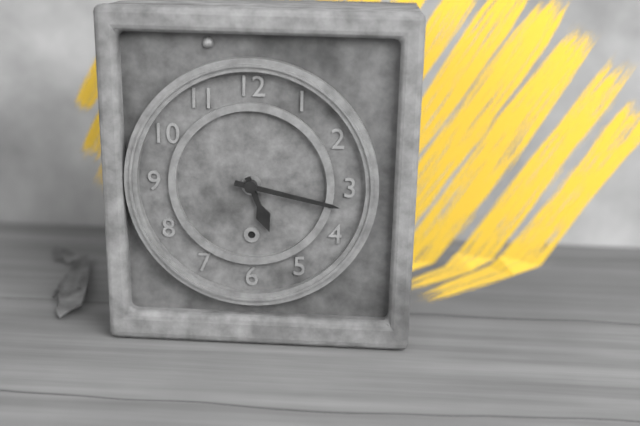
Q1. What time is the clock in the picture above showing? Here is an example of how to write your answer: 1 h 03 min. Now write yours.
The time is 5 h 17 min
